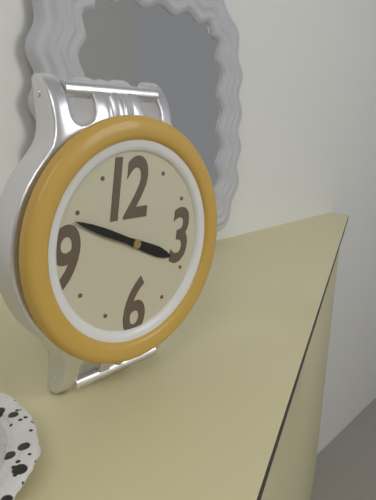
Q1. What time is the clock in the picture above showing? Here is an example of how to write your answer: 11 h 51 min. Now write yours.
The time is 3 h 49 min
